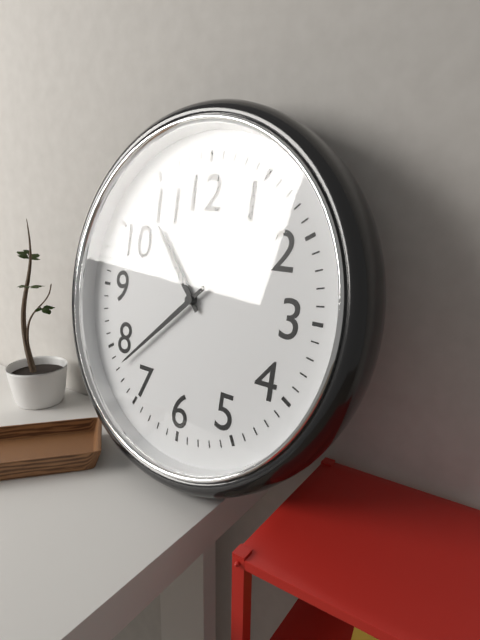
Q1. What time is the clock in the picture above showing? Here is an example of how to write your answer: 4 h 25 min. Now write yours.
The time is 10 h 38 min
